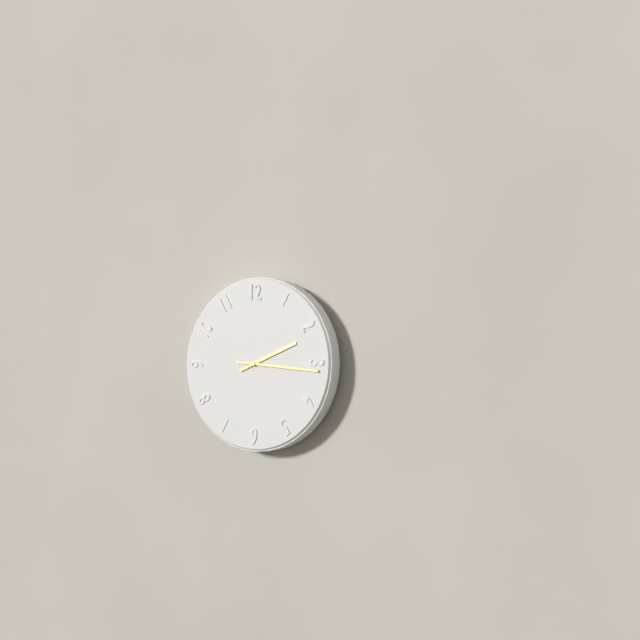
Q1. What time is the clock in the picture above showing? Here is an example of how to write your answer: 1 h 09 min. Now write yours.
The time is 2 h 16 min
